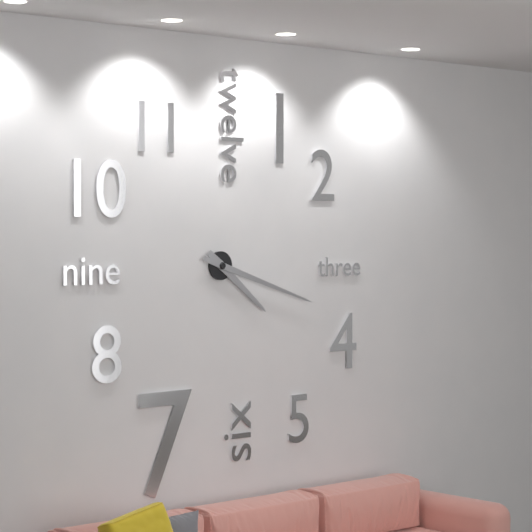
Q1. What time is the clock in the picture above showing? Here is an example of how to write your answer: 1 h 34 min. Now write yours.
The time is 4 h 18 min
